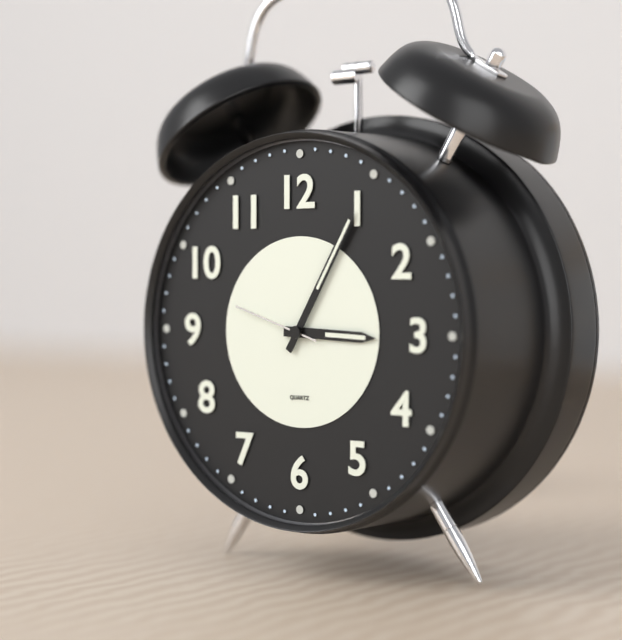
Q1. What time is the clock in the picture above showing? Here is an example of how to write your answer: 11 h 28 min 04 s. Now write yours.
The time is 3 h 05 min 48 s
